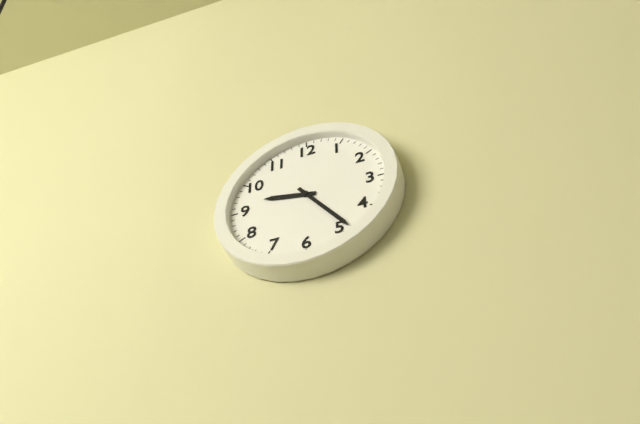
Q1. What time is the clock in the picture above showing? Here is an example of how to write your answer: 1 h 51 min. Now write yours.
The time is 9 h 24 min
